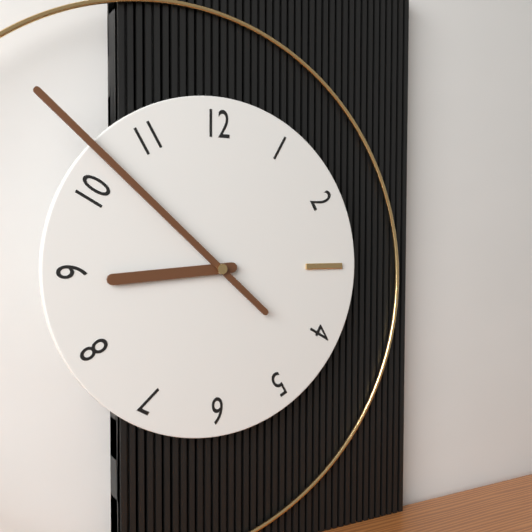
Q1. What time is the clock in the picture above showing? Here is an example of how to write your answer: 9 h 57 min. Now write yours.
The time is 8 h 52 min
